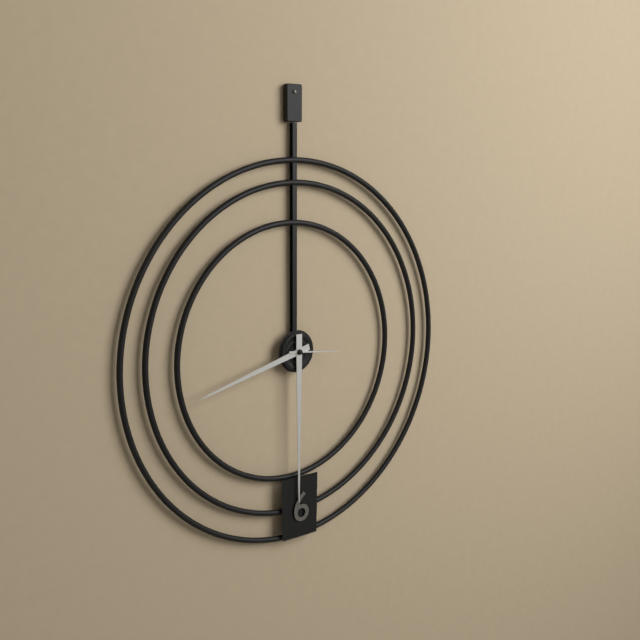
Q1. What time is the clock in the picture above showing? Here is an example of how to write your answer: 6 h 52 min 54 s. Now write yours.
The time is 8 h 30 min 16 s
